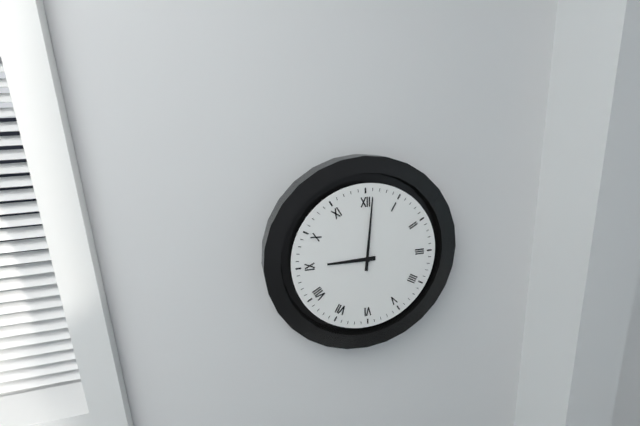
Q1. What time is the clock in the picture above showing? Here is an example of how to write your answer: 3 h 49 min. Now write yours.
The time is 9 h 01 min
